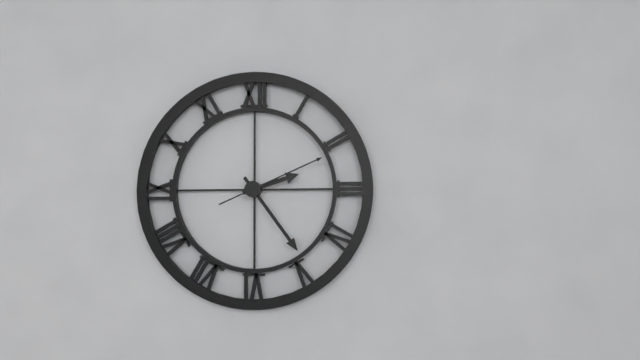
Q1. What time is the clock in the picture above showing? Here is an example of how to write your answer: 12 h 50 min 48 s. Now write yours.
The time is 2 h 24 min 11 s
